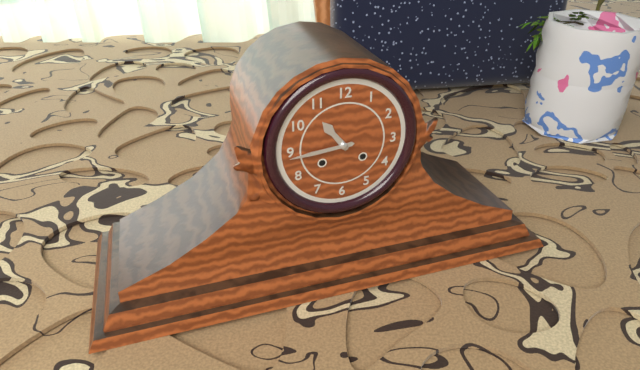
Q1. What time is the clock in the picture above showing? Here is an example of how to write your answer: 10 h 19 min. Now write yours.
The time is 10 h 44 min
